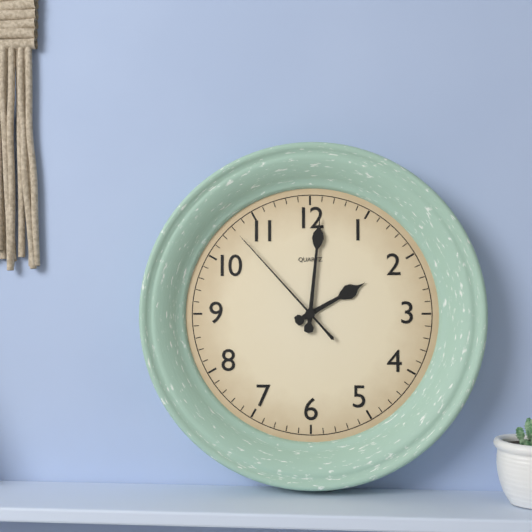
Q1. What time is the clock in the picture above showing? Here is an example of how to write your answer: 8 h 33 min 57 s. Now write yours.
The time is 2 h 01 min 53 s
